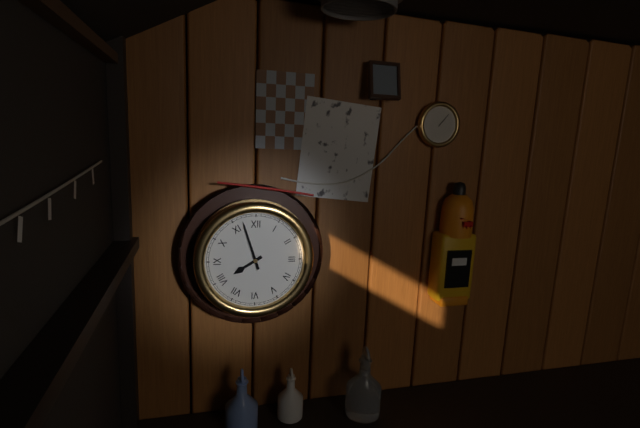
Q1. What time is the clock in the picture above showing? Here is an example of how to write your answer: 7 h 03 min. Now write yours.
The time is 7 h 57 min
